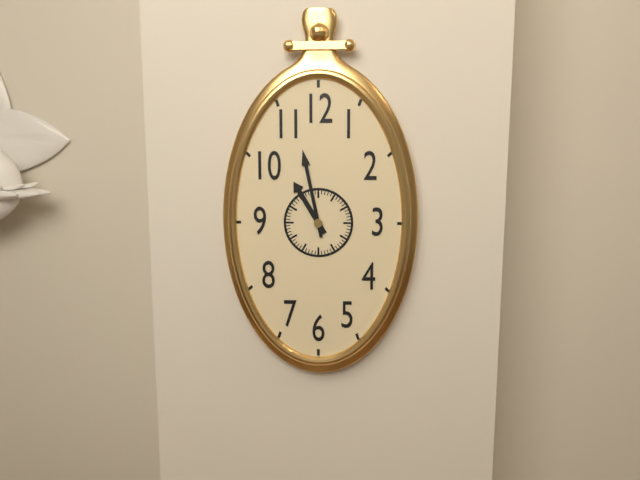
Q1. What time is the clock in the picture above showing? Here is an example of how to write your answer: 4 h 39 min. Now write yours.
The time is 10 h 58 min
